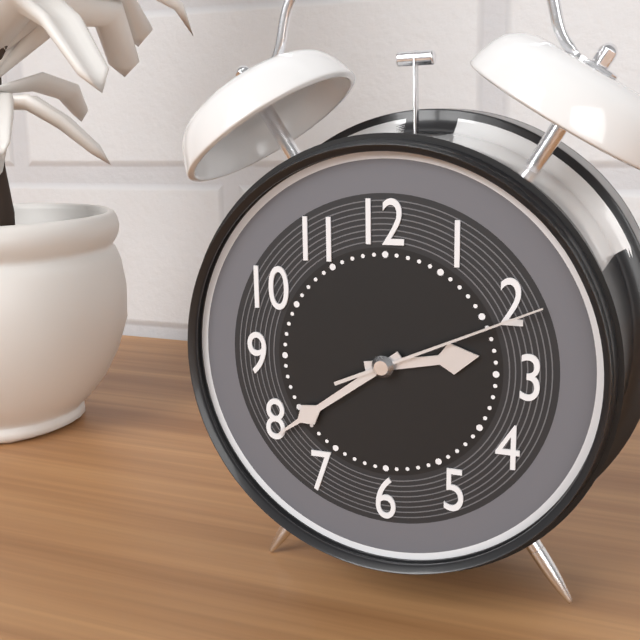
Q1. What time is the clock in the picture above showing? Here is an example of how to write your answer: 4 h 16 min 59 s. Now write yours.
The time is 2 h 39 min 11 s
